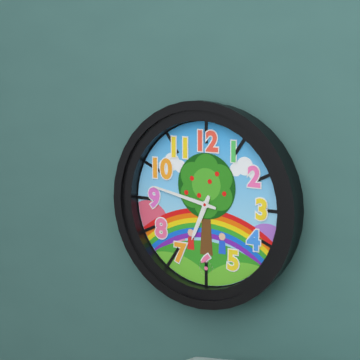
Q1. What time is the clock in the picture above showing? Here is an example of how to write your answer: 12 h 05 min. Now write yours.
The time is 6 h 47 min
